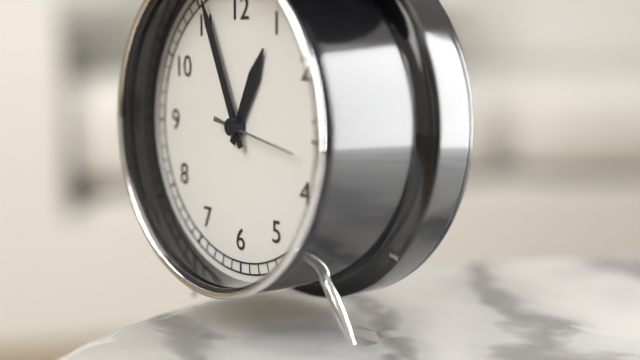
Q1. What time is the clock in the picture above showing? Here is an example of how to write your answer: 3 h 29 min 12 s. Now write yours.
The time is 12 h 56 min 17 s
